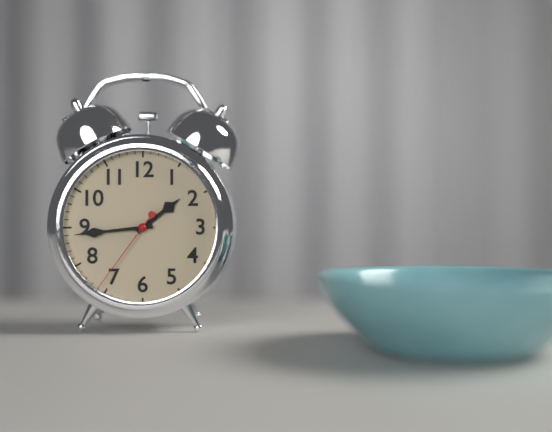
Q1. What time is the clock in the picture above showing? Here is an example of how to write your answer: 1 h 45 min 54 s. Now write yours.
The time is 1 h 44 min 36 s
